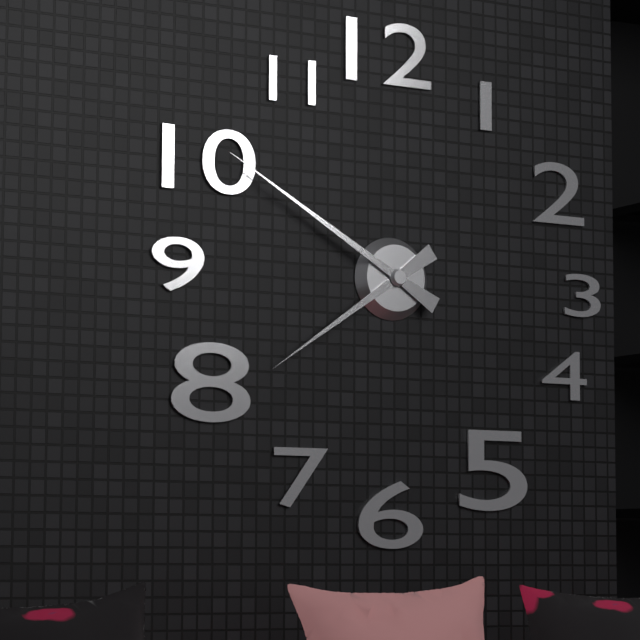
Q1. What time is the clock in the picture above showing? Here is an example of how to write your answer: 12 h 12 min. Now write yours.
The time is 7 h 50 min
